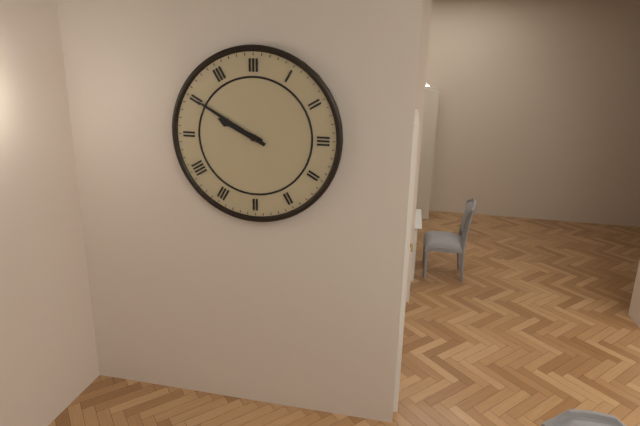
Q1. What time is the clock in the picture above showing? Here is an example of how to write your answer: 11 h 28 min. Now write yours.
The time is 9 h 50 min
